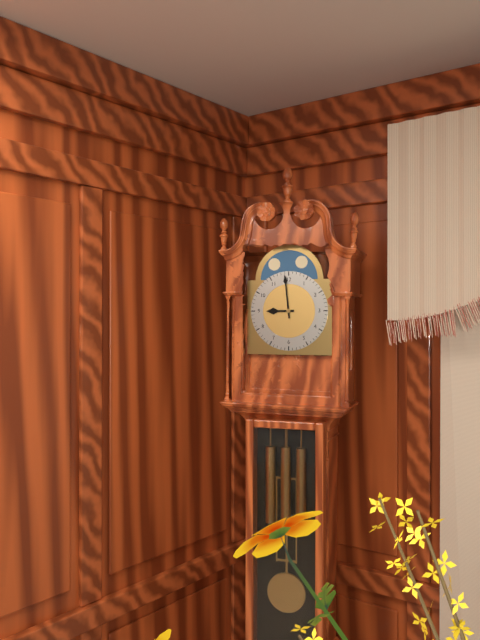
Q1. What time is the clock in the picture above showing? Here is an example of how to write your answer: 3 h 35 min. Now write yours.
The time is 8 h 59 min
